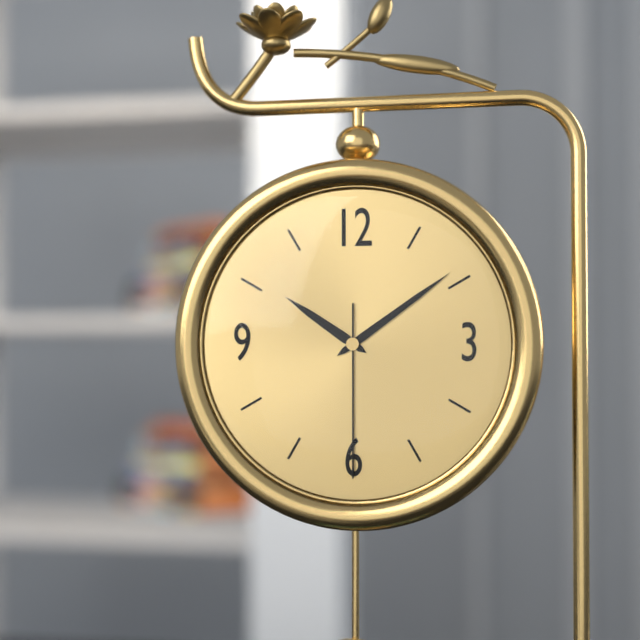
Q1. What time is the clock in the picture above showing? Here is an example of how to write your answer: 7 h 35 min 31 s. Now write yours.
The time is 10 h 09 min 30 s
